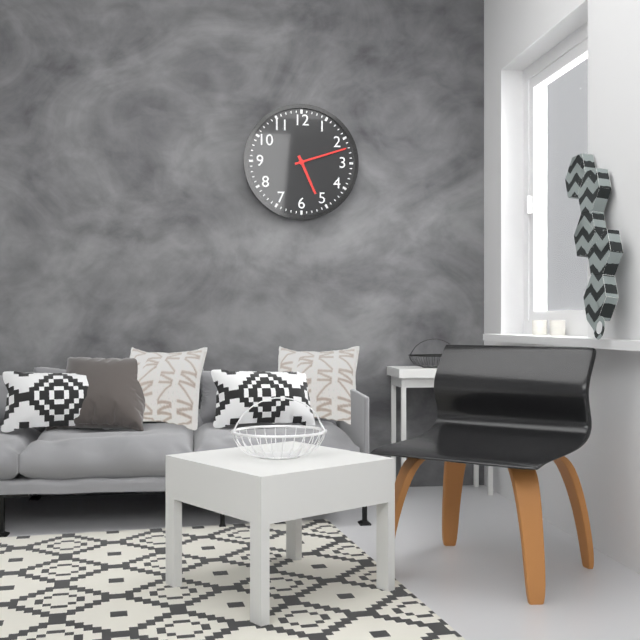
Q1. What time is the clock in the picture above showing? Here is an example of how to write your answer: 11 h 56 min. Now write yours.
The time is 5 h 12 min
